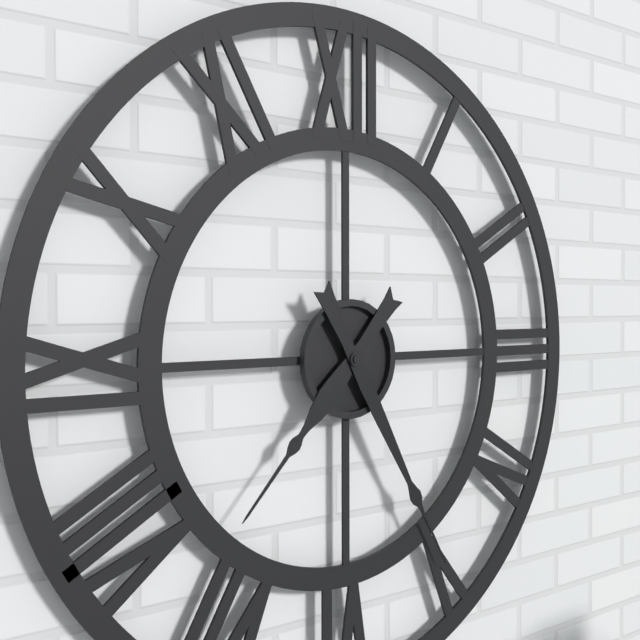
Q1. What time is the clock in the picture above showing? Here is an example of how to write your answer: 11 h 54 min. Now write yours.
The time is 7 h 25 min
